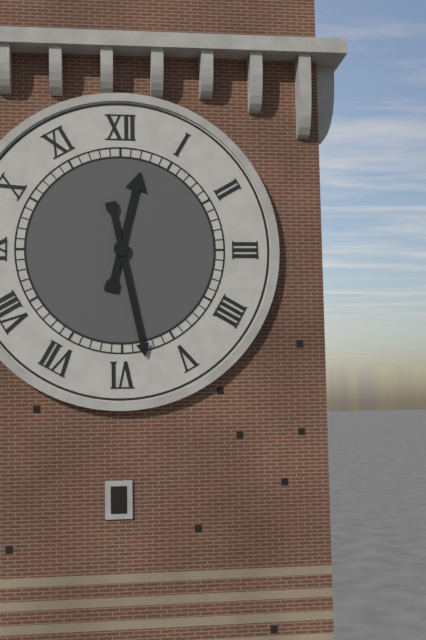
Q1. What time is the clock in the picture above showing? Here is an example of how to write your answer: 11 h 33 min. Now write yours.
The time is 12 h 28 min
